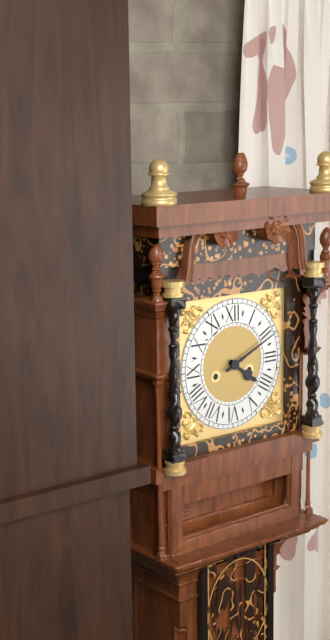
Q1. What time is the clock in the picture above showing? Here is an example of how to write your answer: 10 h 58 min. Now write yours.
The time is 4 h 11 min
